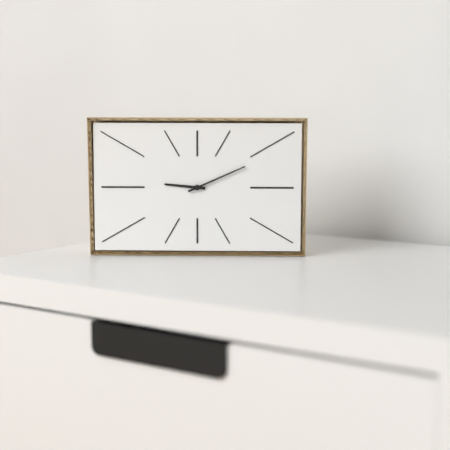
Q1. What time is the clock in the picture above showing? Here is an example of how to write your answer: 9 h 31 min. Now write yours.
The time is 9 h 11 min
